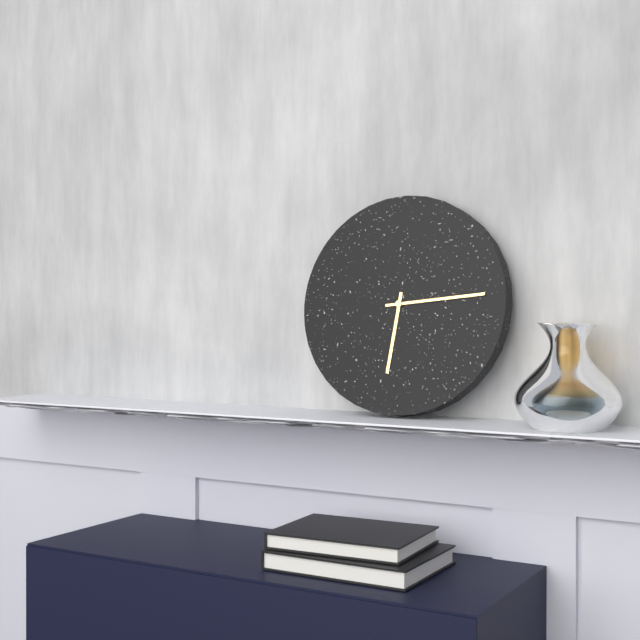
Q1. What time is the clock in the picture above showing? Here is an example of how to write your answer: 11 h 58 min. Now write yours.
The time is 6 h 14 min
